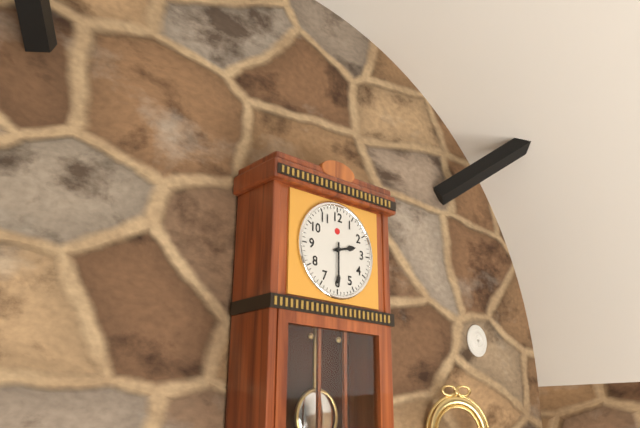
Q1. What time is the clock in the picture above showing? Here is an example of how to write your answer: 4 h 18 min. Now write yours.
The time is 2 h 30 min
